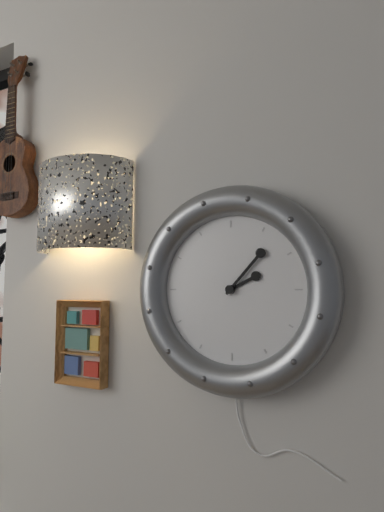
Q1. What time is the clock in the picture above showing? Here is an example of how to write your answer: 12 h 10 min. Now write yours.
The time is 2 h 07 min
